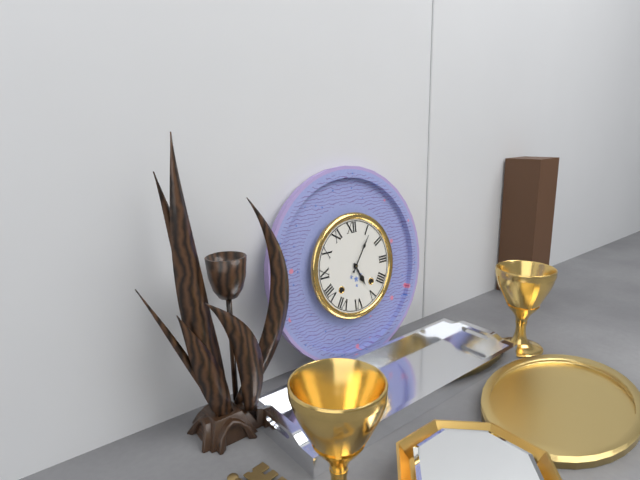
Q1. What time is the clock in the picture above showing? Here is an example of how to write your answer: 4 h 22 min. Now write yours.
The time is 5 h 06 min
